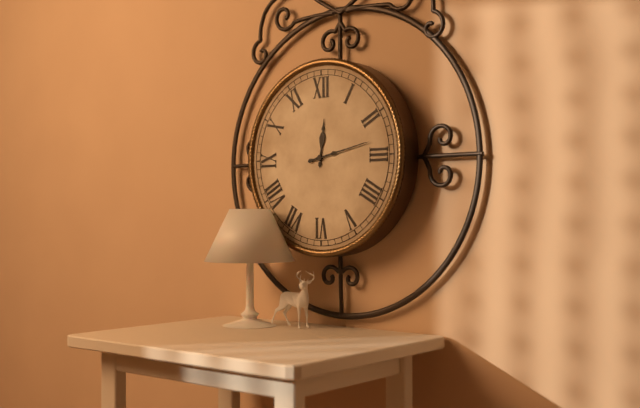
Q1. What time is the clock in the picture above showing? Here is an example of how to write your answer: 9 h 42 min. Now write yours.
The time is 12 h 13 min
